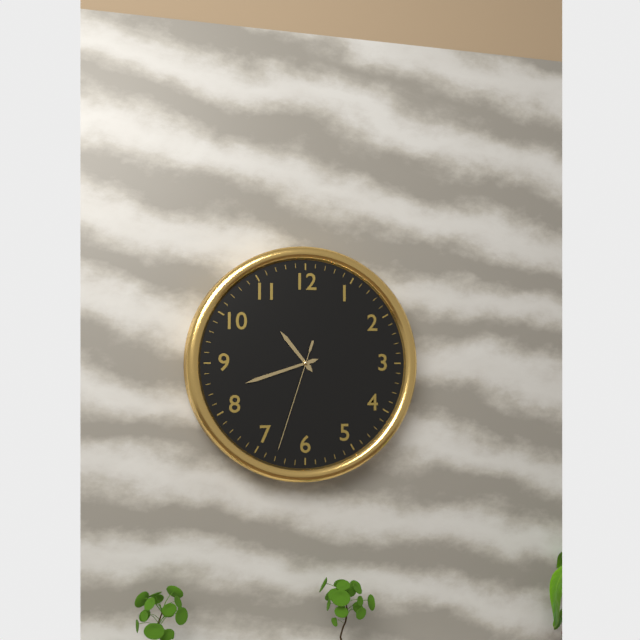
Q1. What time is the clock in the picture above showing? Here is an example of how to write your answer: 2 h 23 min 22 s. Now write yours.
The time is 10 h 42 min 33 s
